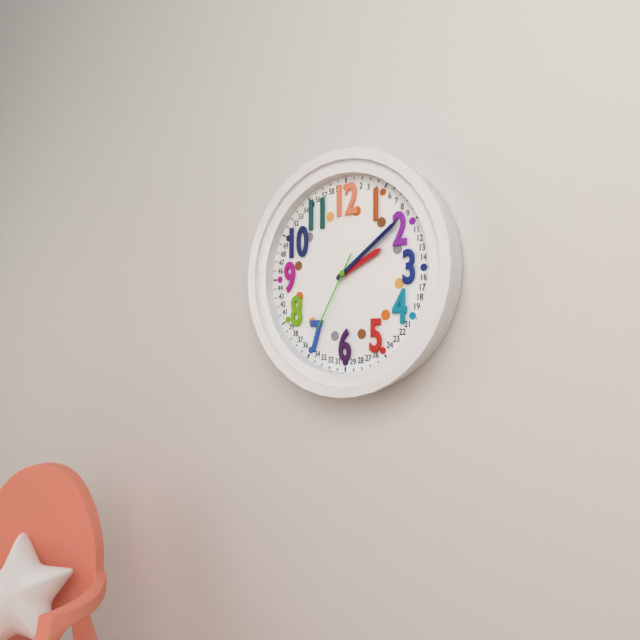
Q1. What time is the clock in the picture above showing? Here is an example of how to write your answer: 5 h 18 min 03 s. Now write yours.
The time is 2 h 09 min 35 s
